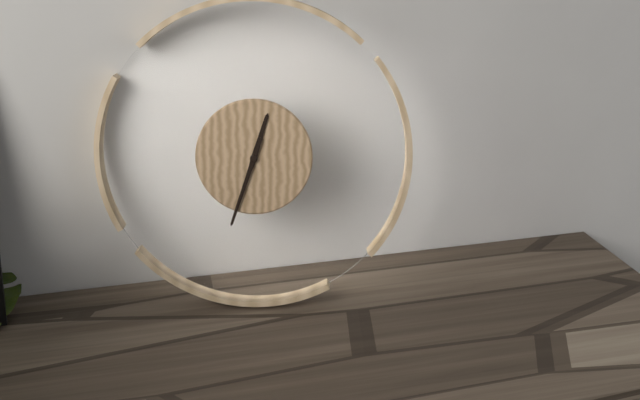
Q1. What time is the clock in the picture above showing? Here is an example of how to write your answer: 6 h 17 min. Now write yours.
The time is 12 h 33 min
